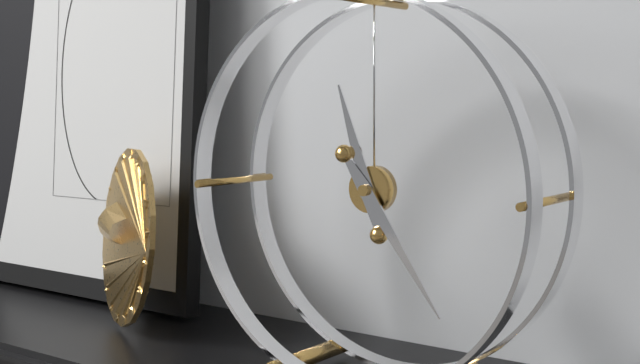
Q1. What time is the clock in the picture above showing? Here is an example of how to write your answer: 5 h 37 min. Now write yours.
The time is 11 h 24 min
